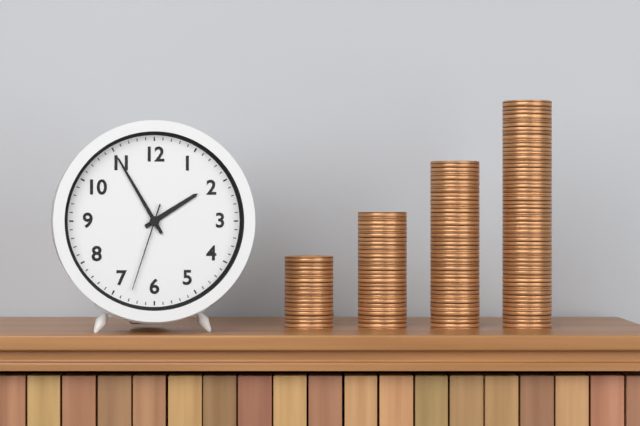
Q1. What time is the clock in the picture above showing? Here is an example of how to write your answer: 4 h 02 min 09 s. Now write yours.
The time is 1 h 55 min 33 s
